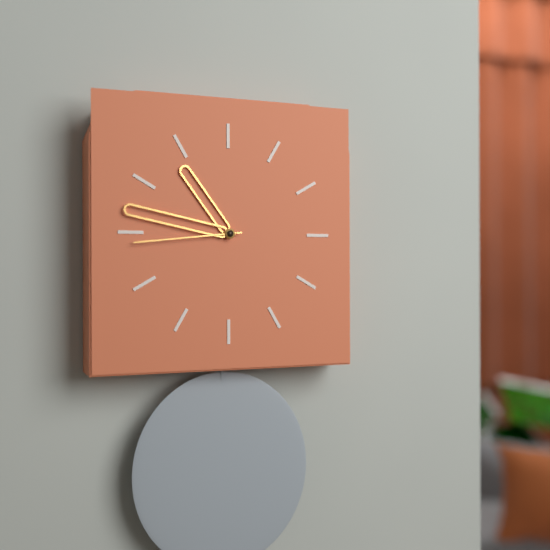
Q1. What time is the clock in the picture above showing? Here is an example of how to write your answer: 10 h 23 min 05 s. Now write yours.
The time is 10 h 47 min 44 s
